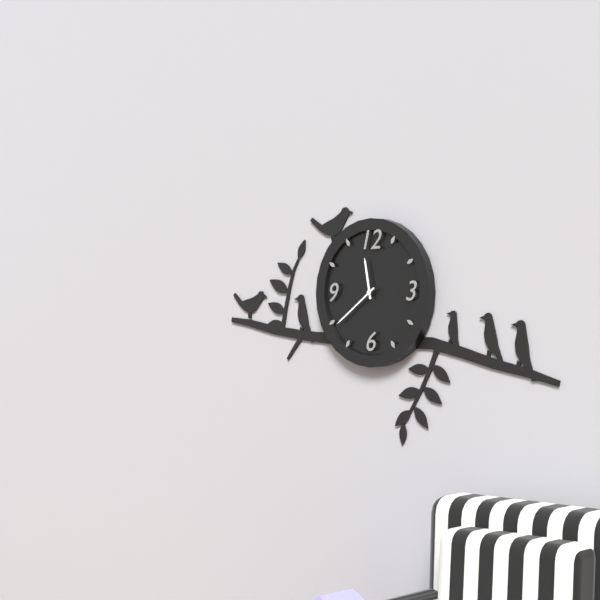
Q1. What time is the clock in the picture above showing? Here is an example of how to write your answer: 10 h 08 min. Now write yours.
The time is 11 h 39 min
